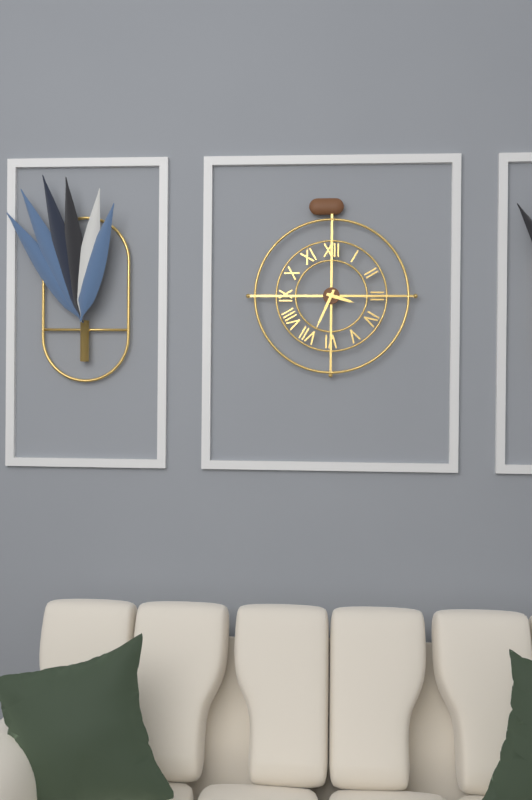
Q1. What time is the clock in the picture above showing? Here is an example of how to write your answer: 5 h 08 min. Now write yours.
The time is 3 h 34 min
